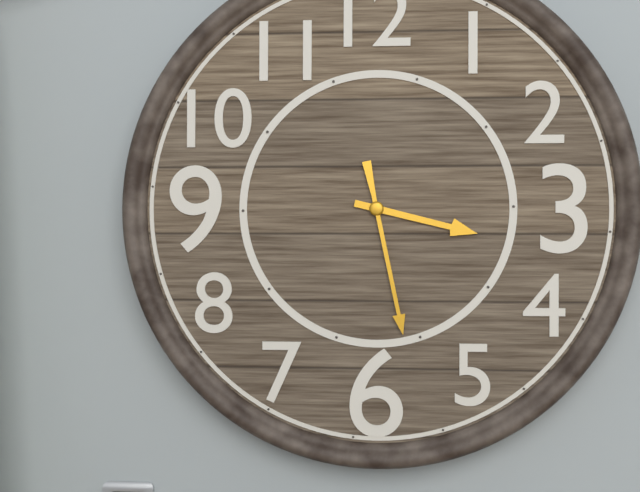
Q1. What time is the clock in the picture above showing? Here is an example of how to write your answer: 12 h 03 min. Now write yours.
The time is 3 h 28 min
